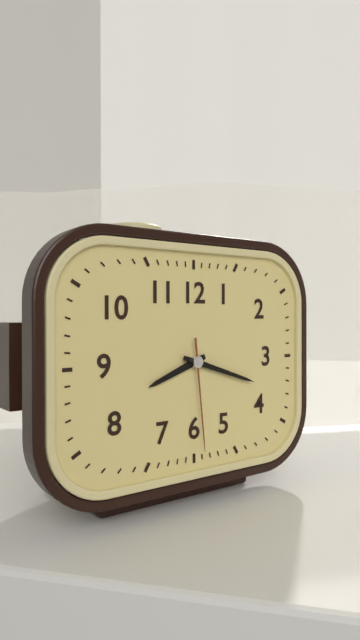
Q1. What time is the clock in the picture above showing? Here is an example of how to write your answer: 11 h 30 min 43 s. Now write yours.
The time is 8 h 18 min 29 s
